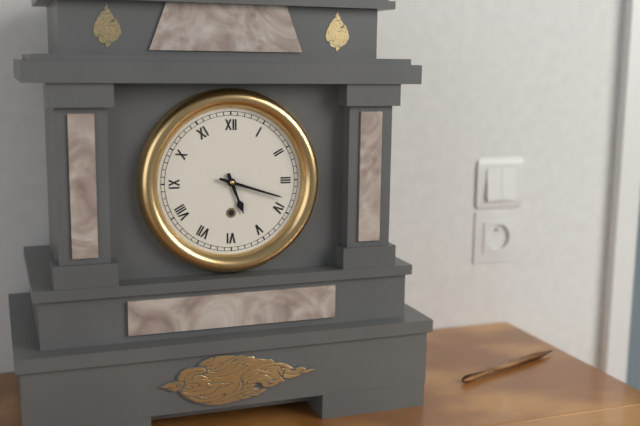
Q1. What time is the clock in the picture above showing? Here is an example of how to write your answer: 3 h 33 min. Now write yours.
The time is 5 h 18 min
